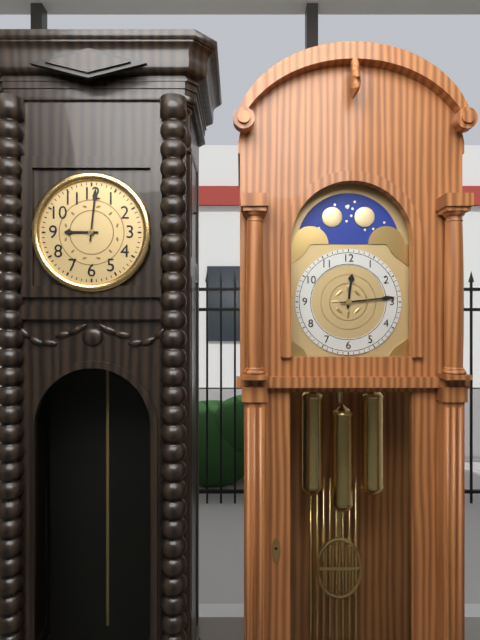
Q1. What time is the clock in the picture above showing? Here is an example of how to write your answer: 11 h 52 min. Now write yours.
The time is 9 h 01 min
